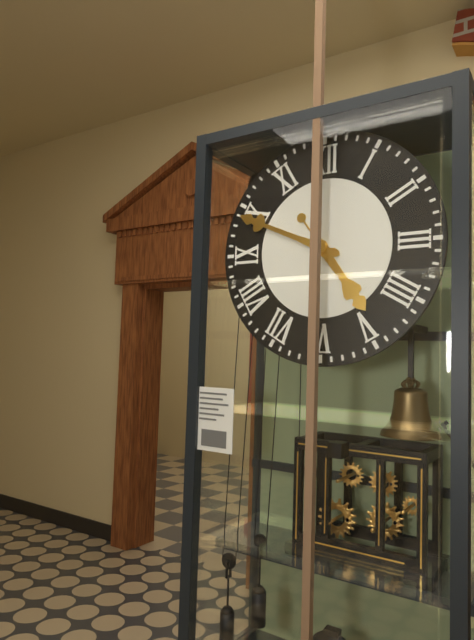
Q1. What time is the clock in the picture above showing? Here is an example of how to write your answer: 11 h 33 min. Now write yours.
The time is 4 h 49 min
